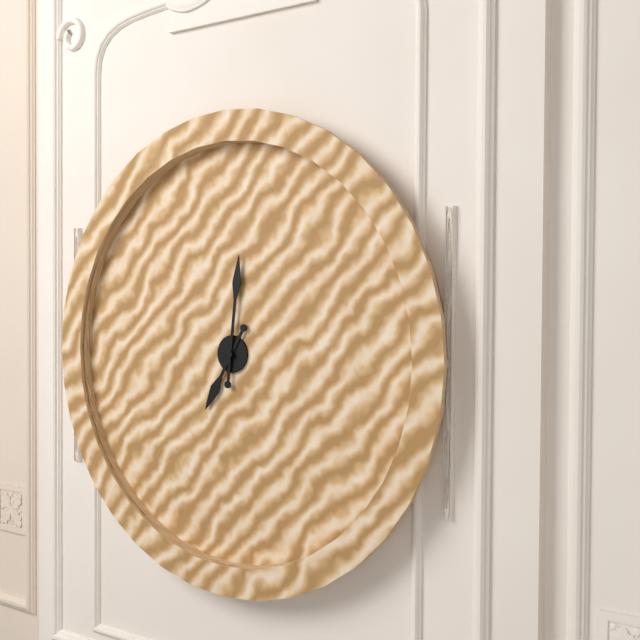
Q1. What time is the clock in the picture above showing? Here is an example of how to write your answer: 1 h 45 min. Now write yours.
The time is 7 h 01 min
